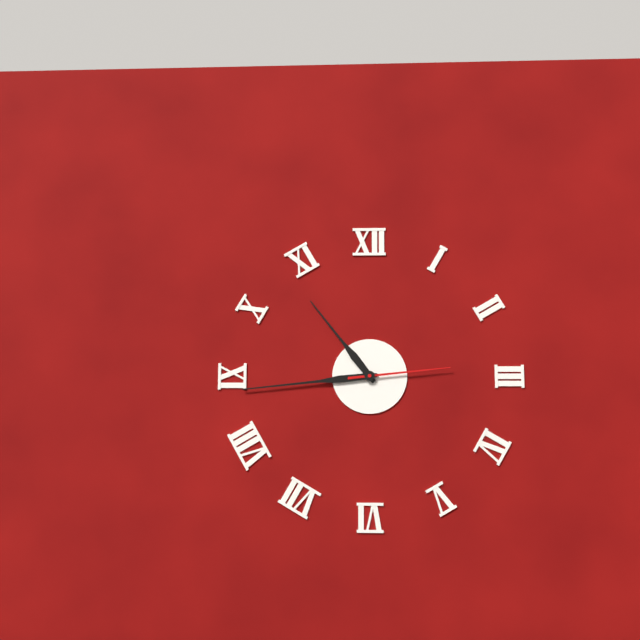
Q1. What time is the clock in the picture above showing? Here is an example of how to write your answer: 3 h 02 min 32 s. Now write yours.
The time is 10 h 44 min 14 s
